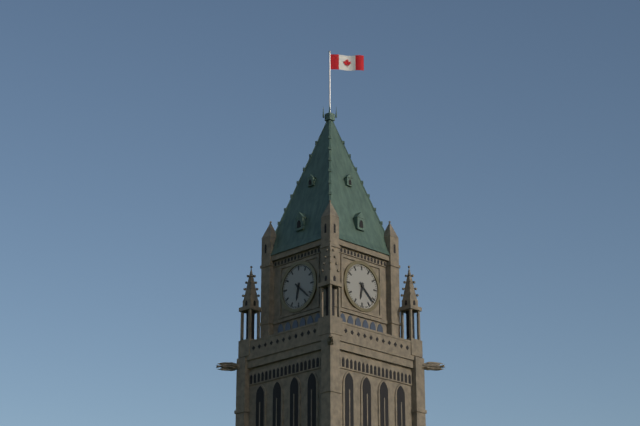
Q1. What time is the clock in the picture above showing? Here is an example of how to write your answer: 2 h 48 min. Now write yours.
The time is 6 h 22 min
